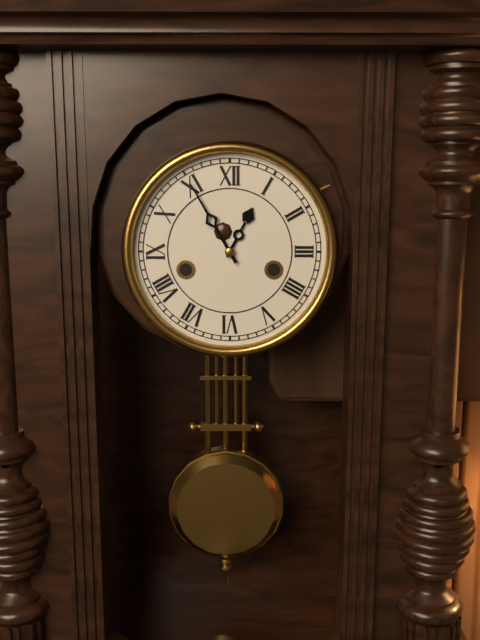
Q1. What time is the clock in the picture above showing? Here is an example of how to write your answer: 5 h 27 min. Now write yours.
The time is 12 h 55 min
